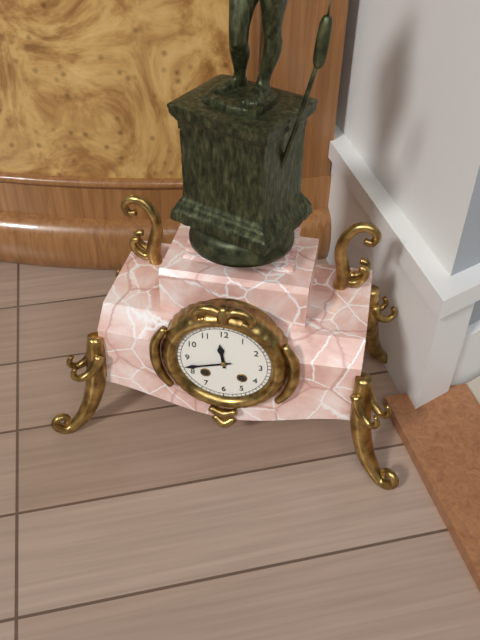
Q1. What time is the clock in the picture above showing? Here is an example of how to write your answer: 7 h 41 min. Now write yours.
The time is 11 h 42 min
